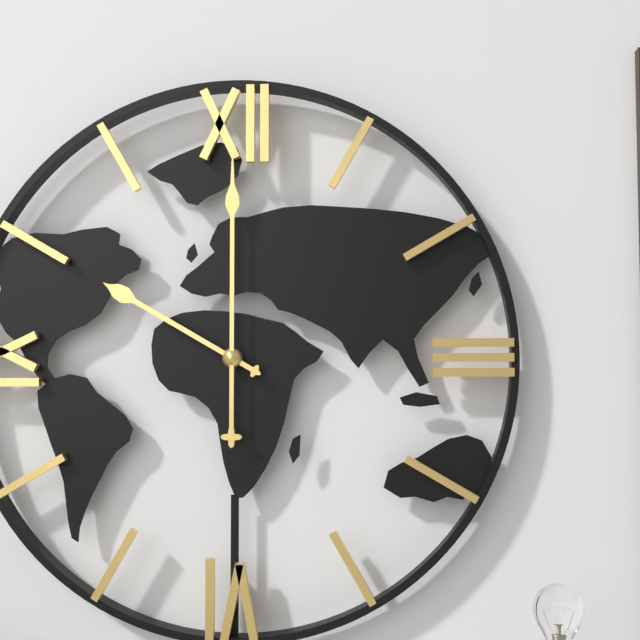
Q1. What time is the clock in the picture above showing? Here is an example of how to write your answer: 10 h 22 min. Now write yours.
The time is 10 h 00 min
